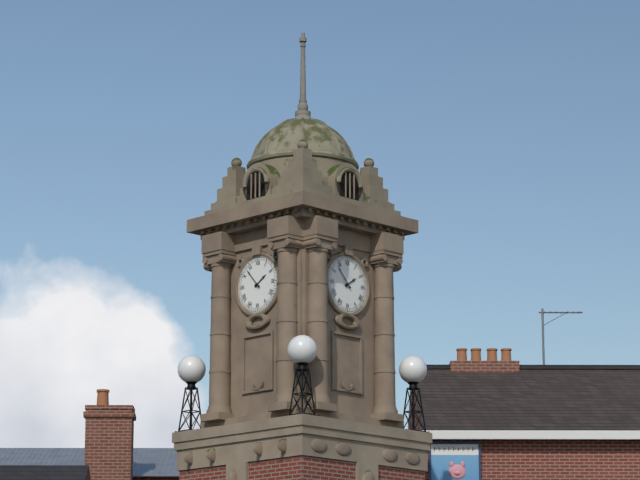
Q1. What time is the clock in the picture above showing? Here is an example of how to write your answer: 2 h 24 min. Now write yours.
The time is 1 h 53 min
